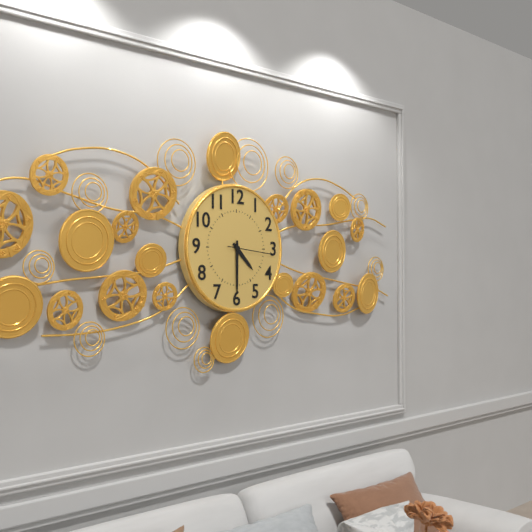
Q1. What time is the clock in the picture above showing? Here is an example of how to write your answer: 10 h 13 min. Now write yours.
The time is 4 h 30 min
